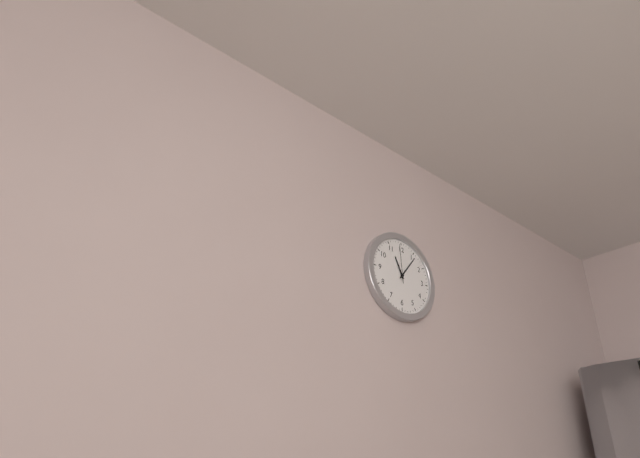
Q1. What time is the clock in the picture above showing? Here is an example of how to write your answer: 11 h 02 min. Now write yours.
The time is 11 h 06 min
